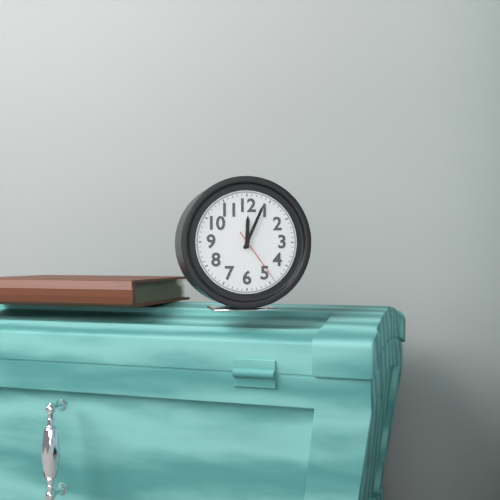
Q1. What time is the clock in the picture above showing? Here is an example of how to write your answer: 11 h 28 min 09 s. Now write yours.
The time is 12 h 04 min 24 s
